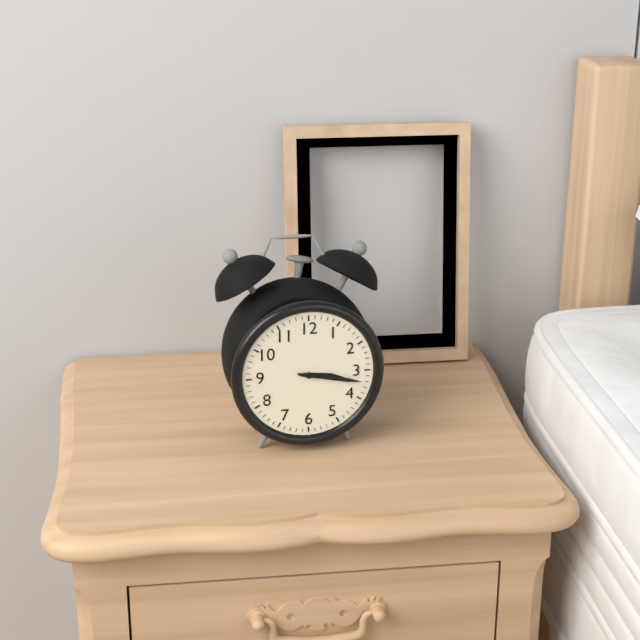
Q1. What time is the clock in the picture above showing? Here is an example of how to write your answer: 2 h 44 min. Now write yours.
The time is 3 h 17 min
